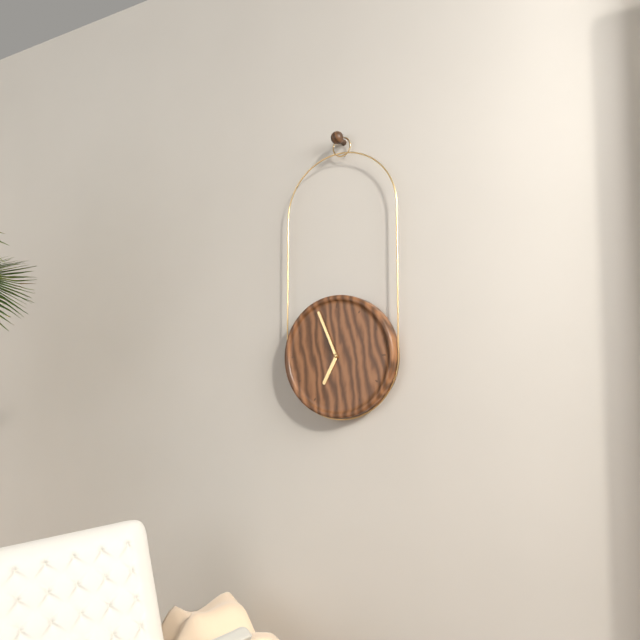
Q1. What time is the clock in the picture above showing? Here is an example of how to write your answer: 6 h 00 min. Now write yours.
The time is 6 h 56 min
